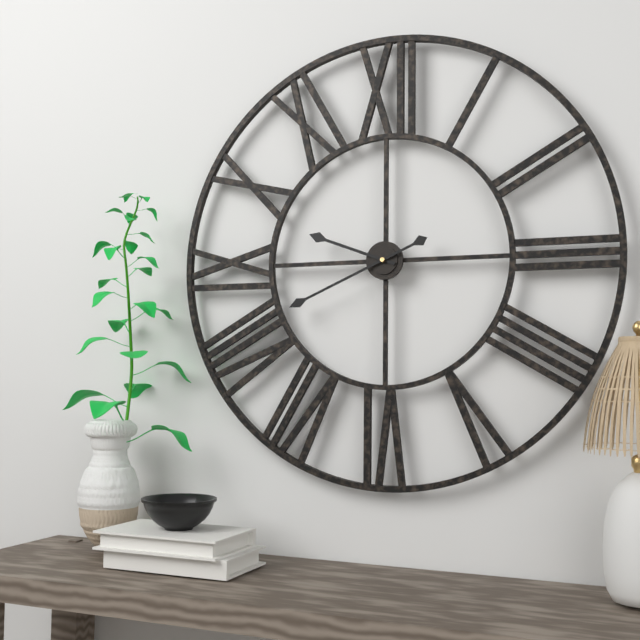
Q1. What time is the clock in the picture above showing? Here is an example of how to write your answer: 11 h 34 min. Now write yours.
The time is 9 h 41 min
